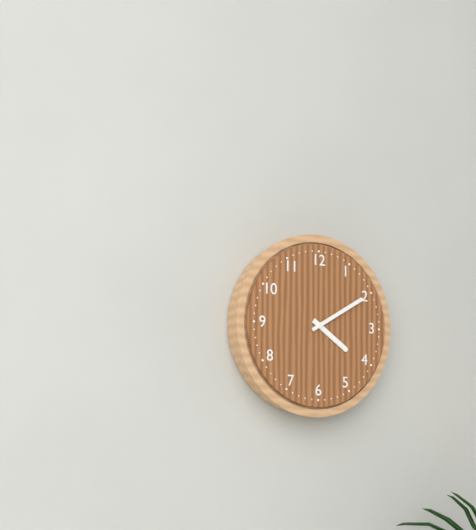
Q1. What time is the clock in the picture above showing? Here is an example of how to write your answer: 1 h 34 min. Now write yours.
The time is 4 h 10 min
